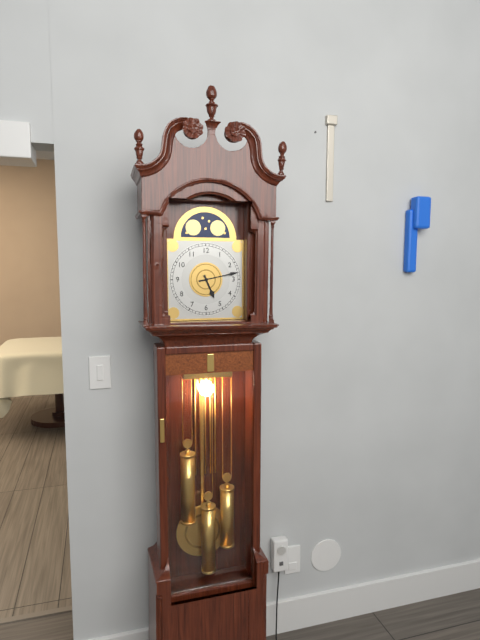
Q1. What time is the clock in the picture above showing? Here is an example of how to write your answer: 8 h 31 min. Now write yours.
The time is 5 h 13 min
